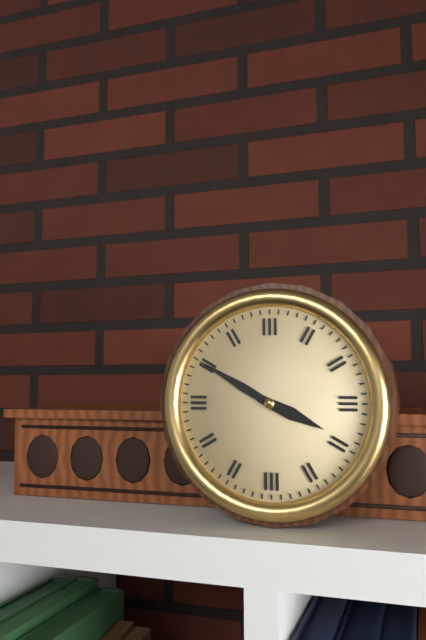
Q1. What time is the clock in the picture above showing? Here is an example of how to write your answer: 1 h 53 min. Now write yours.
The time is 3 h 50 min
